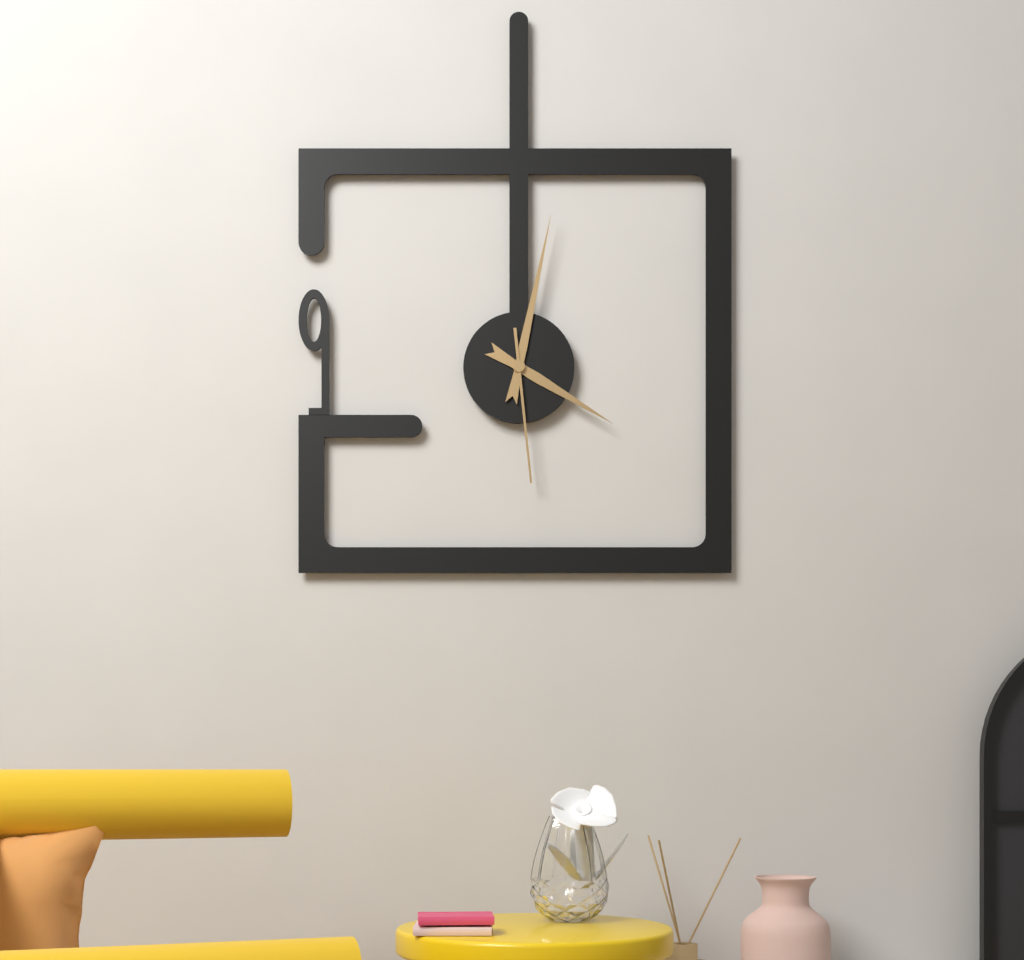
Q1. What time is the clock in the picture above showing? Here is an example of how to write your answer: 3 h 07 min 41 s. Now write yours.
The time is 4 h 02 min 29 s
